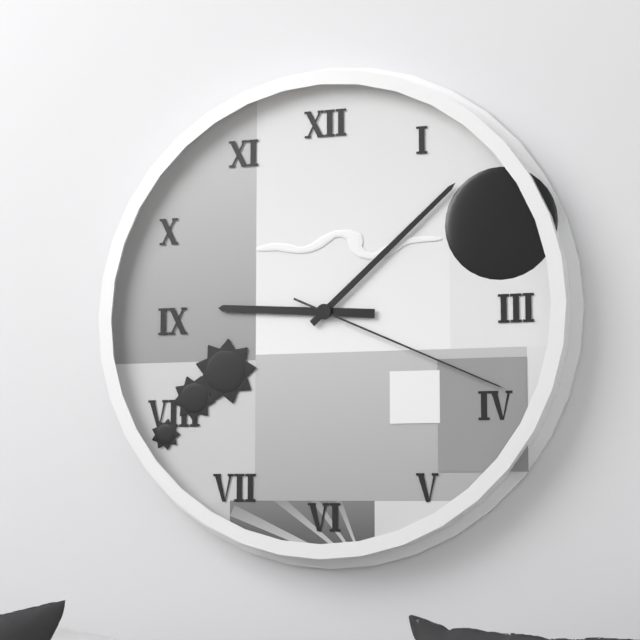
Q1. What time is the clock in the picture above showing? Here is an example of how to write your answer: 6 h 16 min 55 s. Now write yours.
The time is 9 h 08 min 19 s
